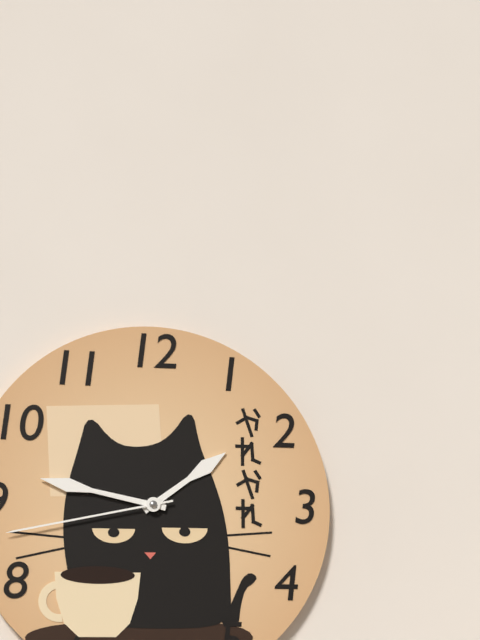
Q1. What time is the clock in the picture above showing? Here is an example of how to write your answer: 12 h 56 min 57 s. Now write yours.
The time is 1 h 47 min 43 s
